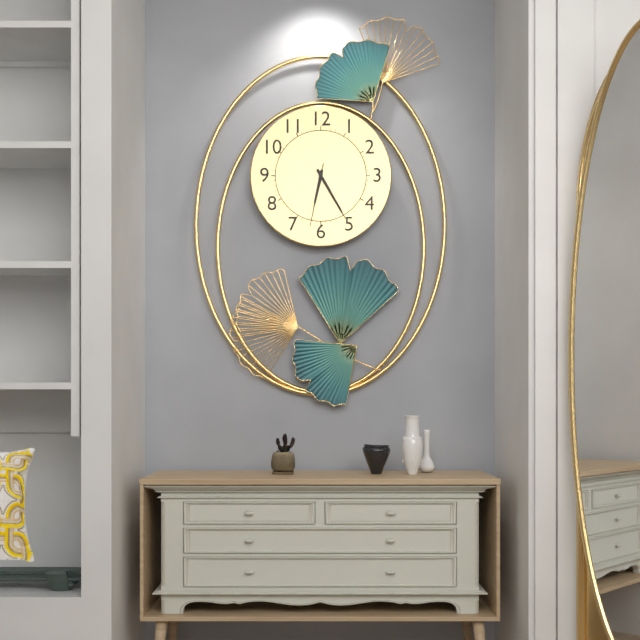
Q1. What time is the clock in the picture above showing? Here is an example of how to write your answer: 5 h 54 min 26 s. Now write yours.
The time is 6 h 25 min 32 s
